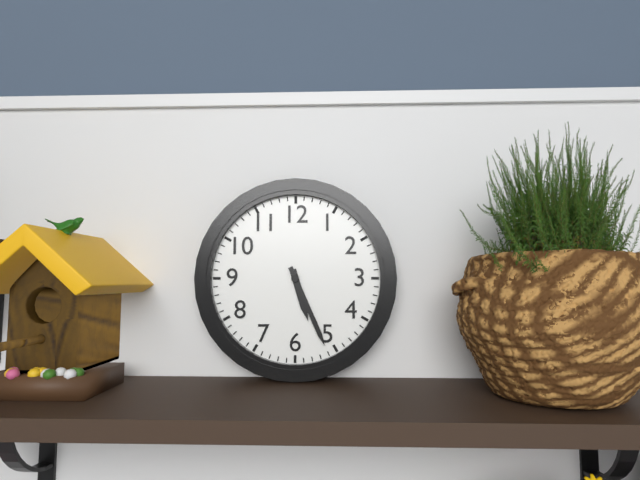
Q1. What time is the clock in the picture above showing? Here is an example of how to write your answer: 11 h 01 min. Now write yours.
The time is 5 h 26 min
